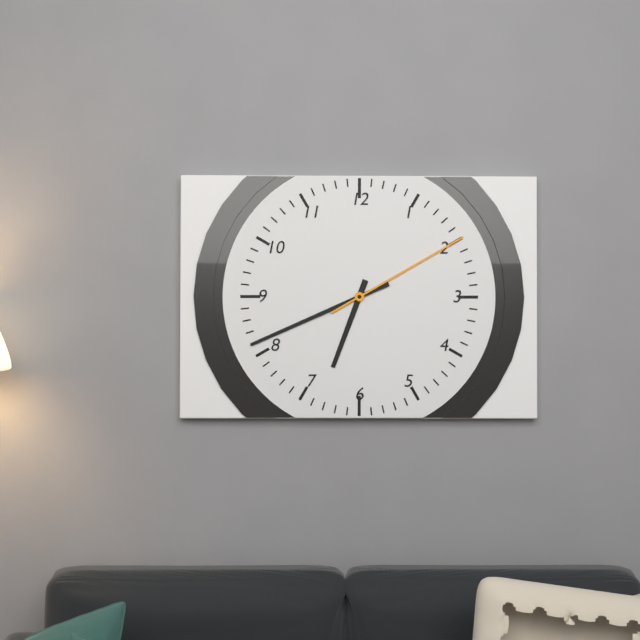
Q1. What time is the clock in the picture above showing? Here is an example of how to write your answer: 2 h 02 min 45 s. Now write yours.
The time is 6 h 41 min 10 s
